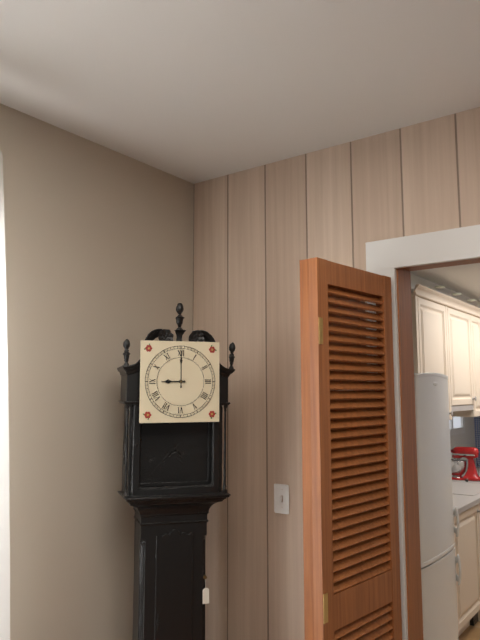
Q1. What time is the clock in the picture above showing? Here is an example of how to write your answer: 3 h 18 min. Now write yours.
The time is 9 h 00 min
